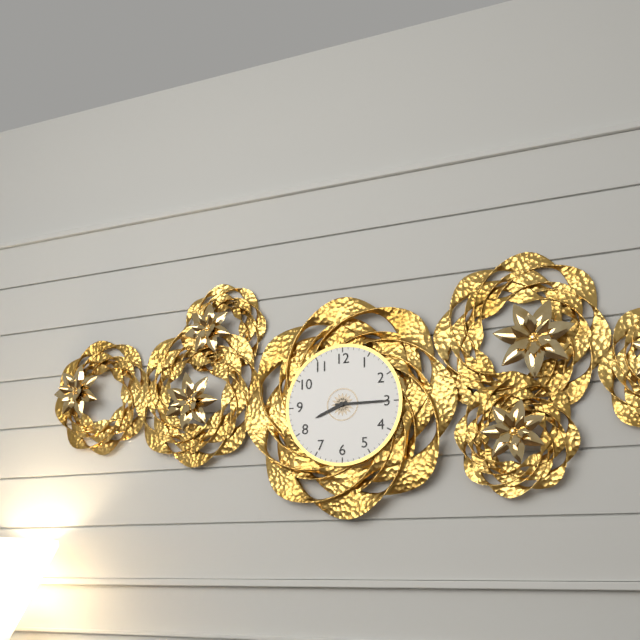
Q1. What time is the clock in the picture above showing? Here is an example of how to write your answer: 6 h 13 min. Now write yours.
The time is 8 h 15 min
